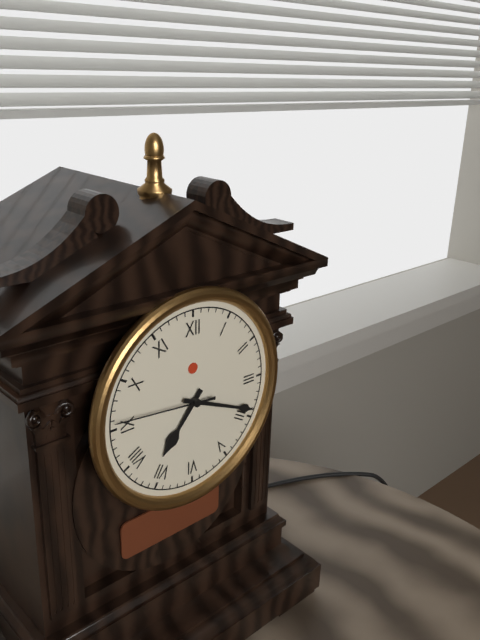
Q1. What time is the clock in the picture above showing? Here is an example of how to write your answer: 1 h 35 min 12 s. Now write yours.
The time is 7 h 19 min 46 s
